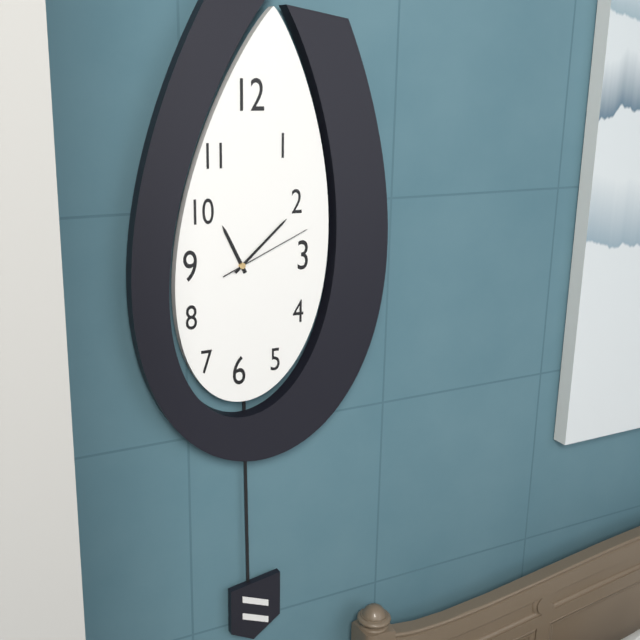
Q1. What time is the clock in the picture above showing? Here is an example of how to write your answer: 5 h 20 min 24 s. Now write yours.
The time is 11 h 08 min 11 s
